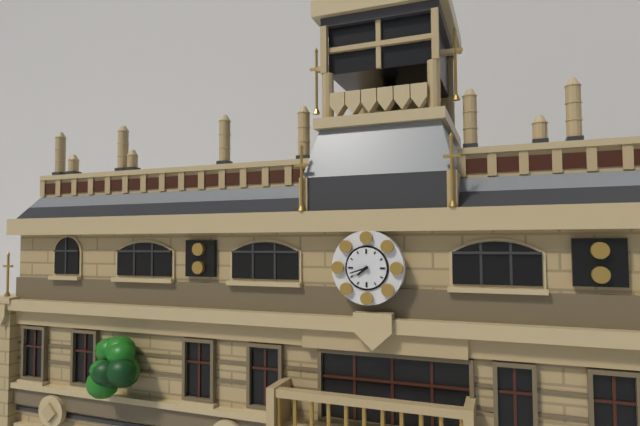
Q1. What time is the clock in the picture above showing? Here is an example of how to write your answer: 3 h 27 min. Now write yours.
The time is 7 h 42 min
